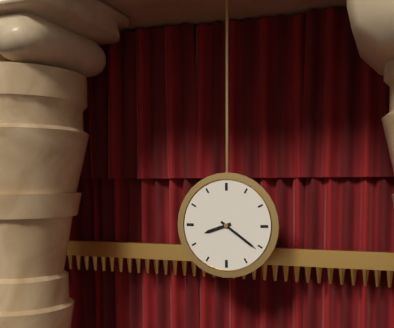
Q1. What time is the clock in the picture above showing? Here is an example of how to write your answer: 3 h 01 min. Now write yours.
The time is 8 h 21 min
